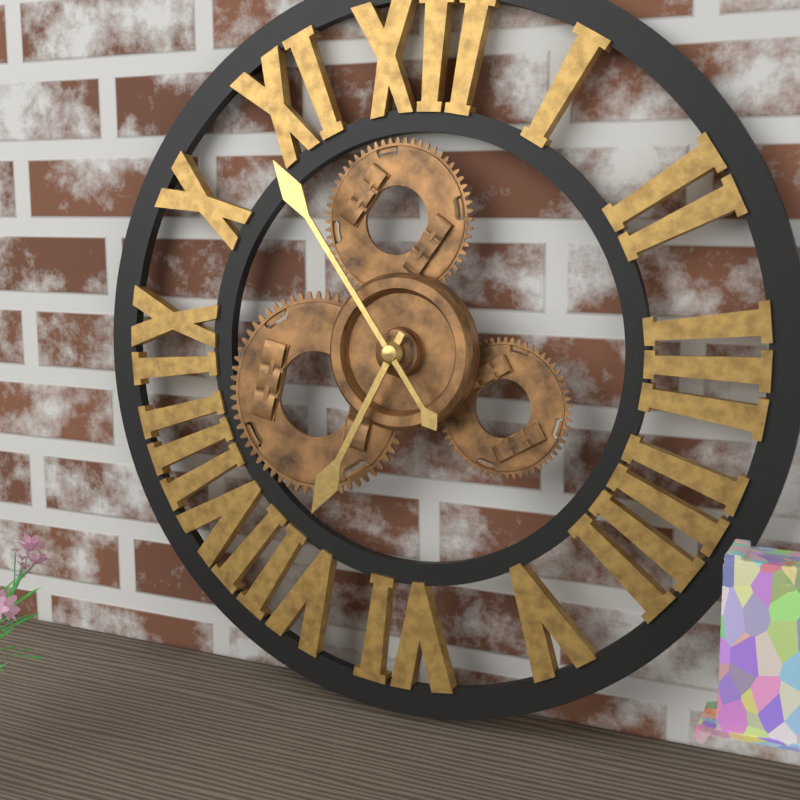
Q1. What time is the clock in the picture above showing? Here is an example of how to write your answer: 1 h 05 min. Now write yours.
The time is 6 h 54 min
